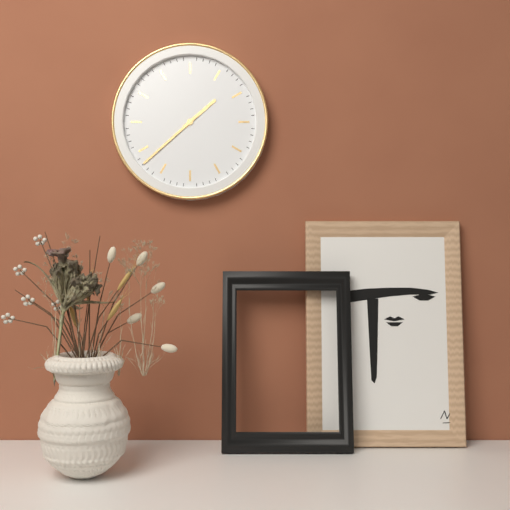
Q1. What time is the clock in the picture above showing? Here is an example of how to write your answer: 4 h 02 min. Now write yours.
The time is 1 h 38 min
